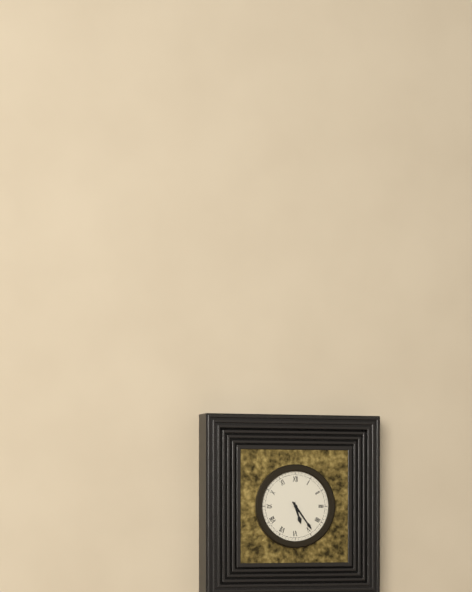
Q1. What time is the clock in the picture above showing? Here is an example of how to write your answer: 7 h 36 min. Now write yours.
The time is 5 h 24 min
